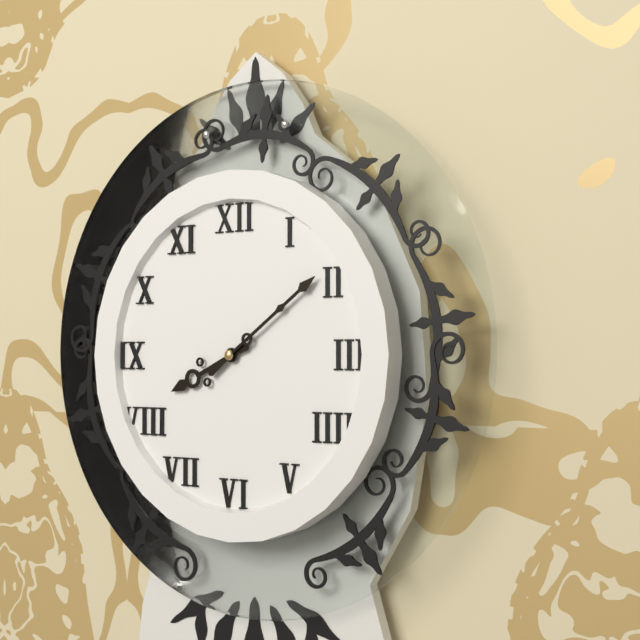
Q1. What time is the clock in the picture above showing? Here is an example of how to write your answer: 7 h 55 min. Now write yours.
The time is 8 h 09 min
